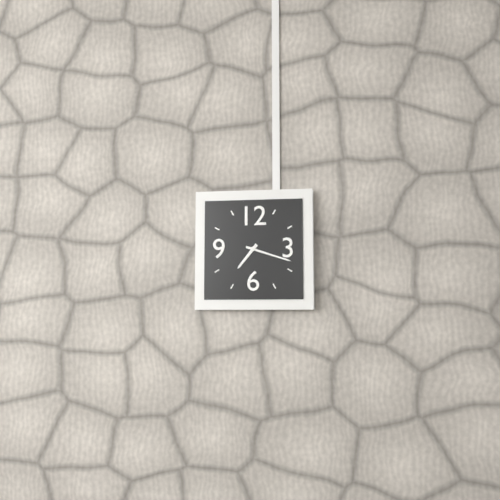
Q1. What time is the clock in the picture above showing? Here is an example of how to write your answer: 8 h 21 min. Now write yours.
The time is 7 h 18 min
